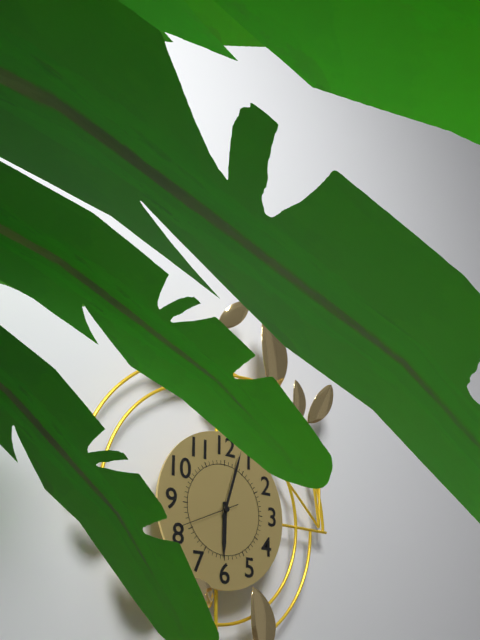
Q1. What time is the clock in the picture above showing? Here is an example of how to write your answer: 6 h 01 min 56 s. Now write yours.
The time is 6 h 03 min 41 s
